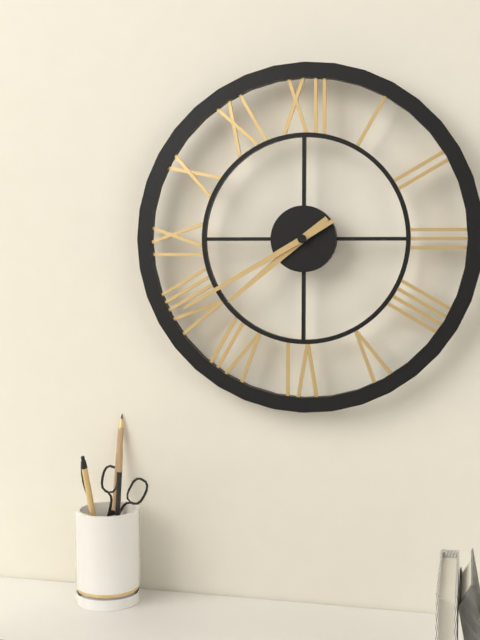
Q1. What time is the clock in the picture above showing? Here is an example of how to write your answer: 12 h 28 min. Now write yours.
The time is 7 h 40 min
